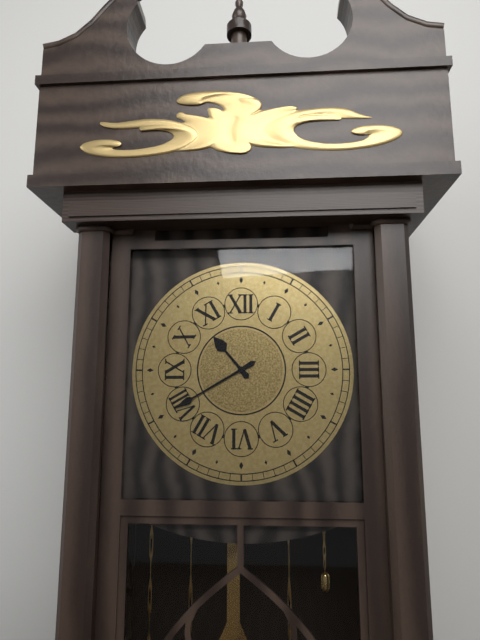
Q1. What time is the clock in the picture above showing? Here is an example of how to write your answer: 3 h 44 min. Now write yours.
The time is 10 h 40 min
